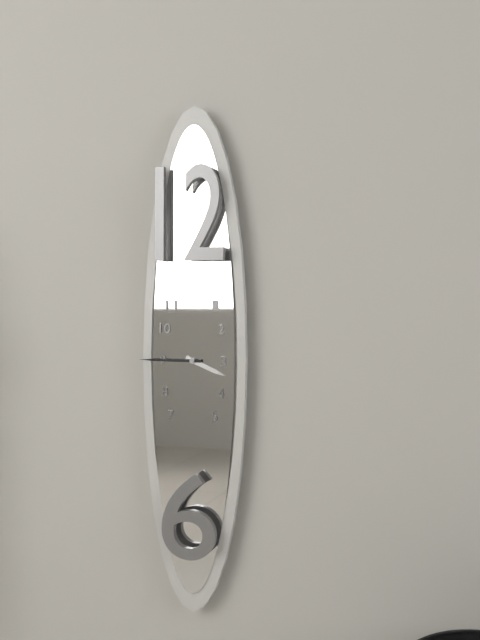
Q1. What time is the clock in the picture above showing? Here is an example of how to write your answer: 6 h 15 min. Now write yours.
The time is 3 h 45 min
